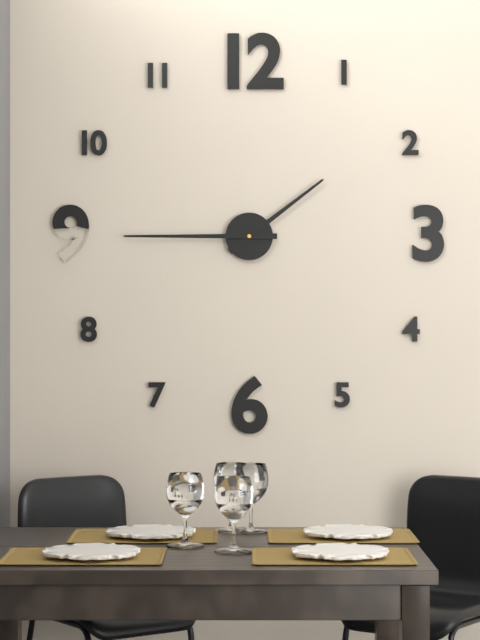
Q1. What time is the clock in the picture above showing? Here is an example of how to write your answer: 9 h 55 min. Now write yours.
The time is 1 h 45 min
